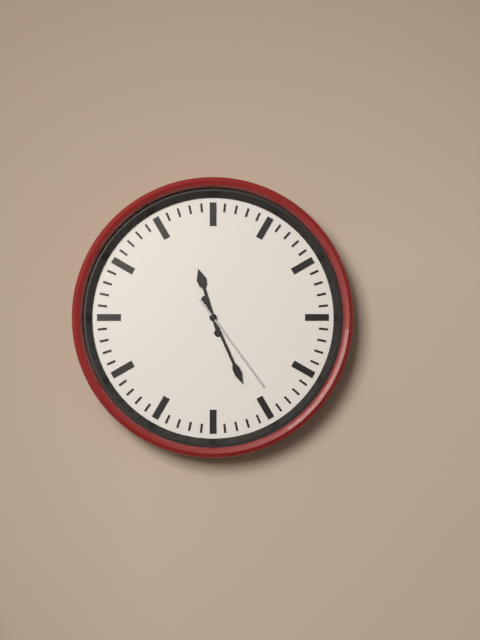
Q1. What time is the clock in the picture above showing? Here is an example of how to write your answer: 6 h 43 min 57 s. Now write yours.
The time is 11 h 26 min 24 s
